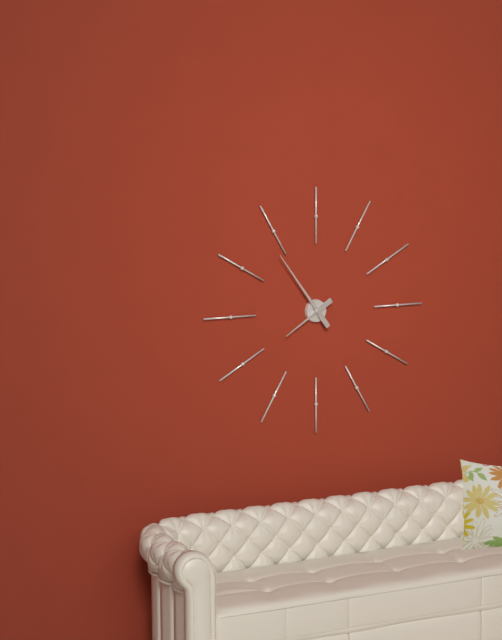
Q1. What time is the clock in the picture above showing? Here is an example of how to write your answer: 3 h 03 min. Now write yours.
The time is 7 h 54 min
